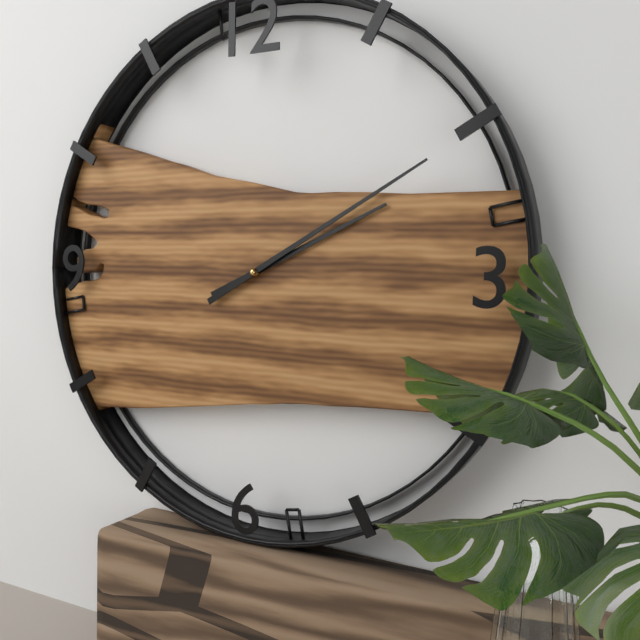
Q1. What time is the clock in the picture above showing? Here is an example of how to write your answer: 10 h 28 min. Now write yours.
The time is 2 h 10 min
